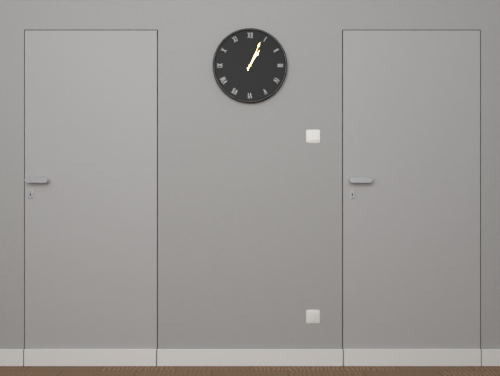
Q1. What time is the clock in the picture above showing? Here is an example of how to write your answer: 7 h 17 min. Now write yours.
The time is 1 h 04 min
